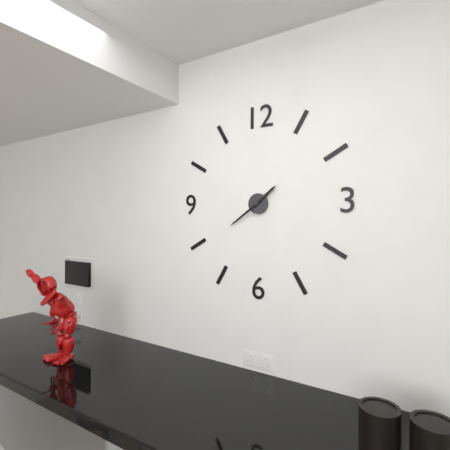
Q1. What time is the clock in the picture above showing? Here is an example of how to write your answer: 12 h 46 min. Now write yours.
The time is 1 h 39 min
